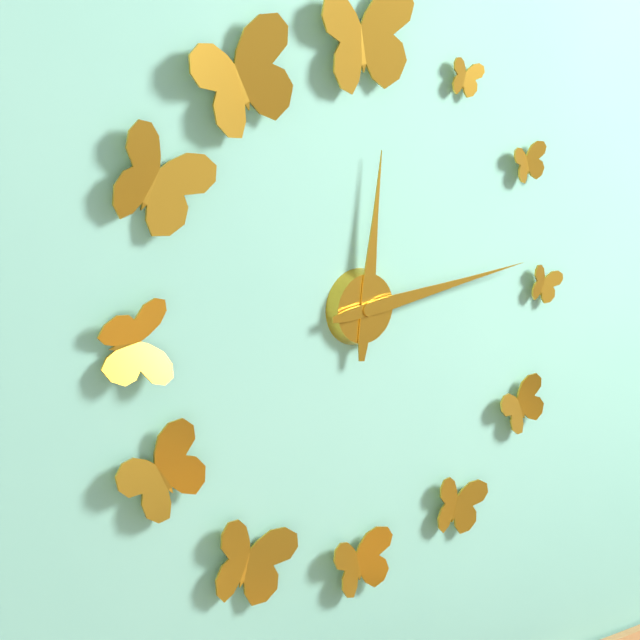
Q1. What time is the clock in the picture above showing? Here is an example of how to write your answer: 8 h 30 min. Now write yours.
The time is 12 h 14 min
